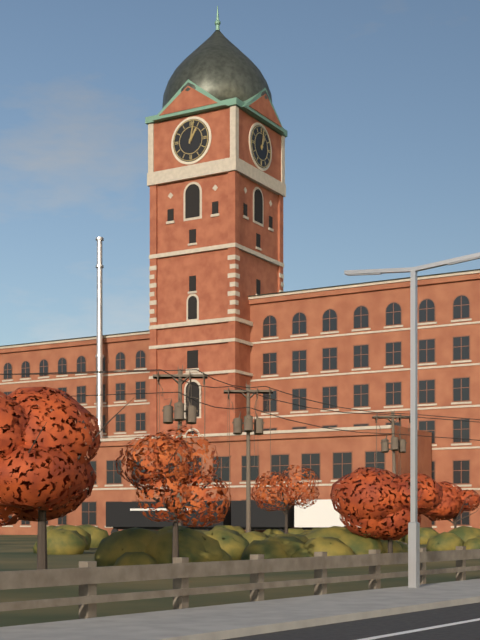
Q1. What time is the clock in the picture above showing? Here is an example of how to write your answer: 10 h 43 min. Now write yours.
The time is 1 h 02 min
